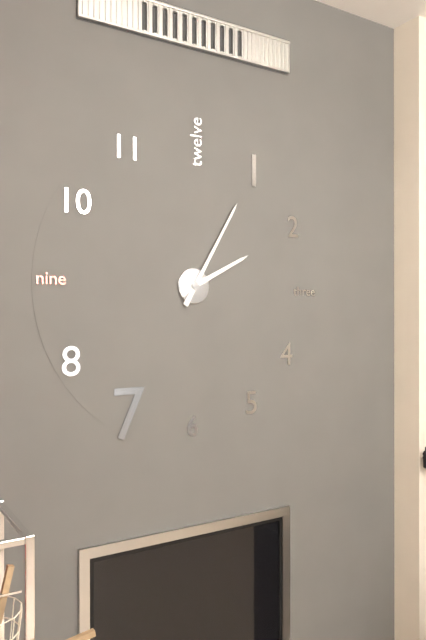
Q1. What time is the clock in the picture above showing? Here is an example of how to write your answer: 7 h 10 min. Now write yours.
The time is 2 h 05 min
